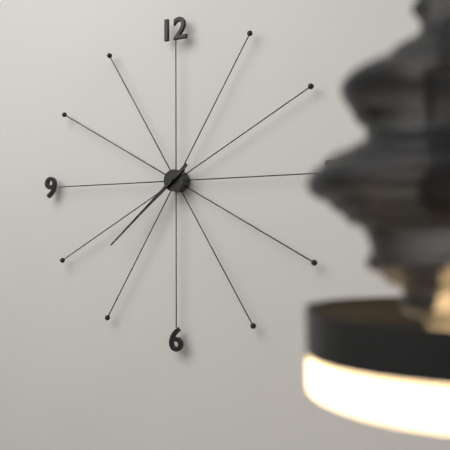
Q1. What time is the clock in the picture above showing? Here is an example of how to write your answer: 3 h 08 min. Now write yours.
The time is 7 h 38 min
